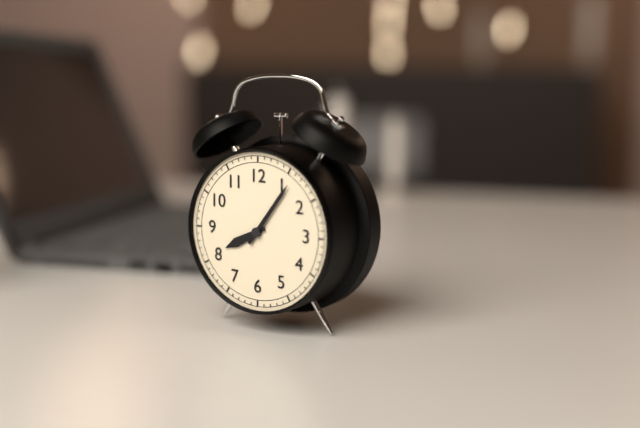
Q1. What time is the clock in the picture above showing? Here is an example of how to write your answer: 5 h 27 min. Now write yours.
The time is 8 h 06 min
